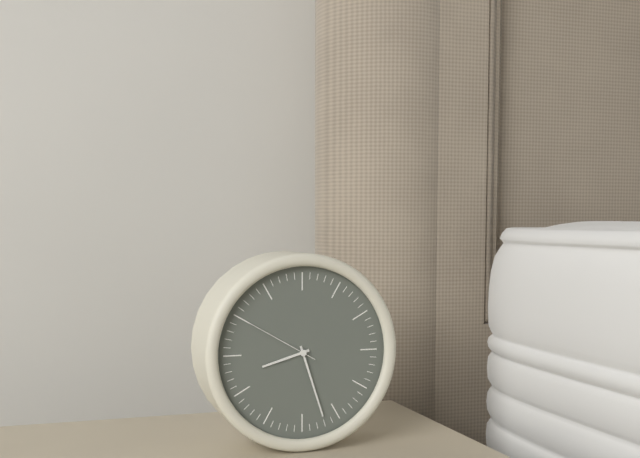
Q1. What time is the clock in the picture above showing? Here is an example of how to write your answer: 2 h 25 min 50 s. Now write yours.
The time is 8 h 27 min 50 s
